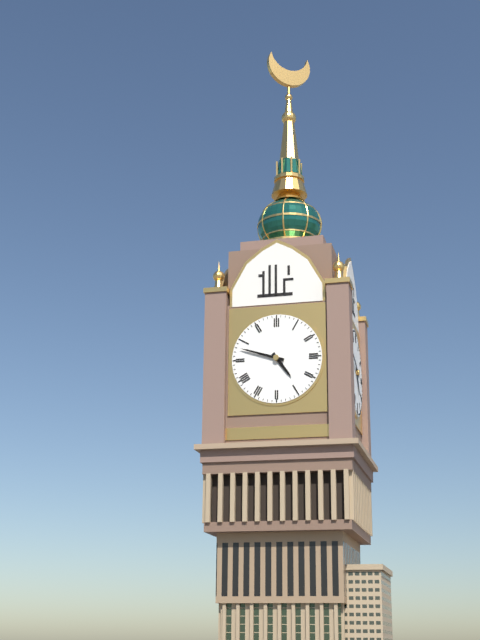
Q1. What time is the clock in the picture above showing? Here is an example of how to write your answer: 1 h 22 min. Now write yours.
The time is 4 h 48 min
